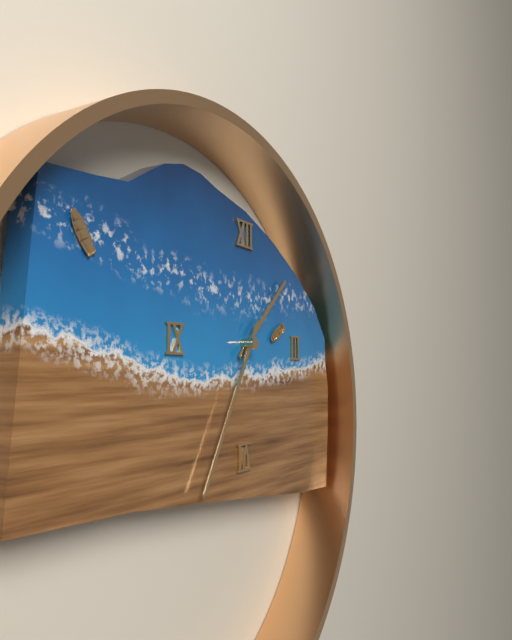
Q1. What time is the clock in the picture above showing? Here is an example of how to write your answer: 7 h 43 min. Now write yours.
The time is 1 h 35 min
